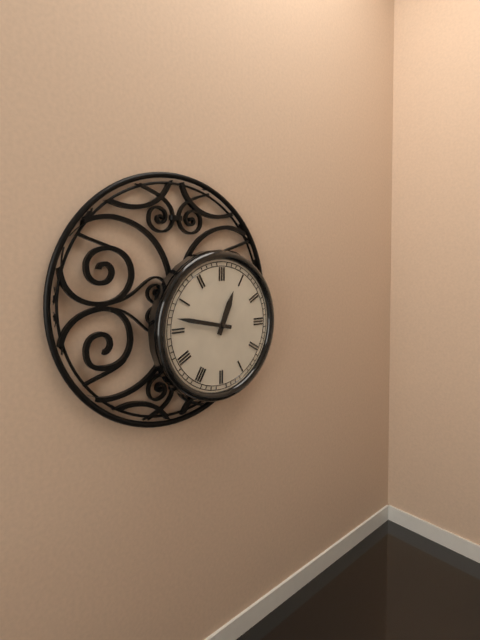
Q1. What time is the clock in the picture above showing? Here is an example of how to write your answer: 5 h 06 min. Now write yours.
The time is 12 h 47 min
